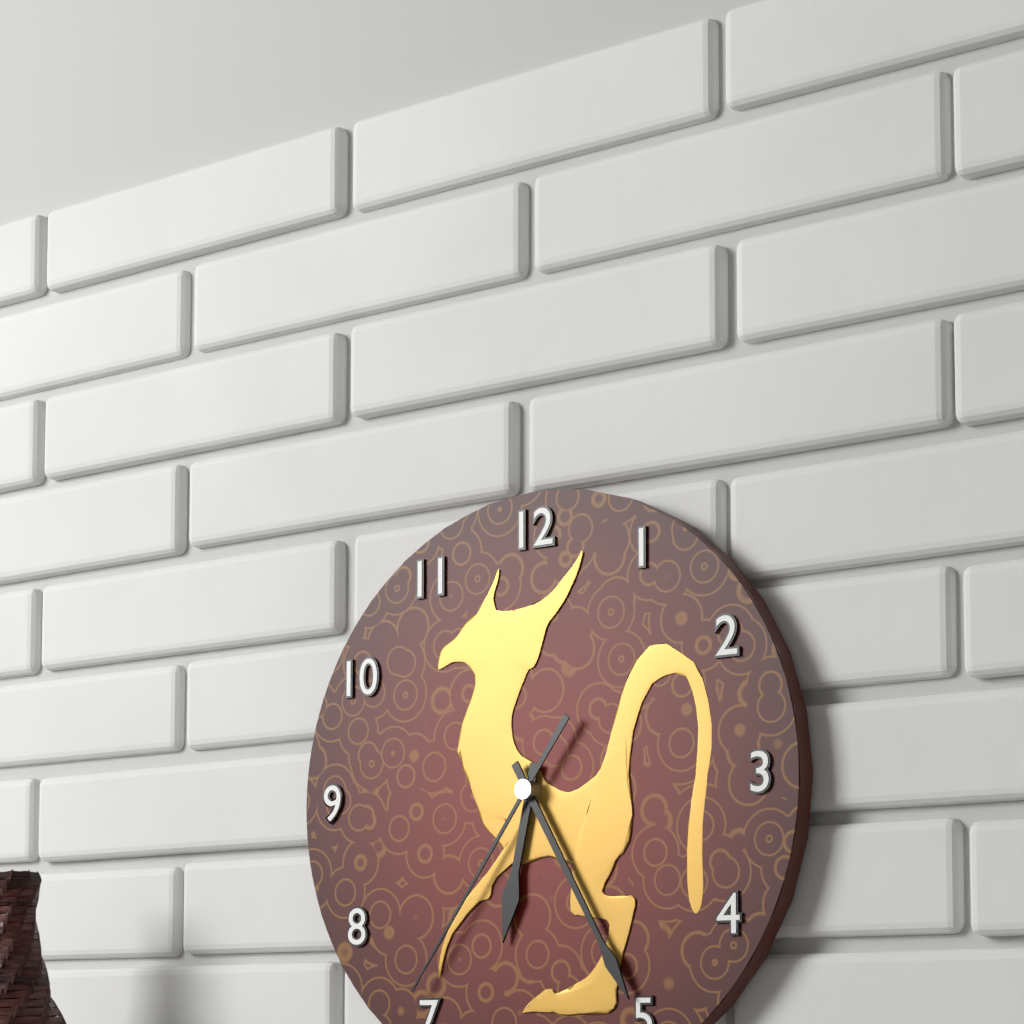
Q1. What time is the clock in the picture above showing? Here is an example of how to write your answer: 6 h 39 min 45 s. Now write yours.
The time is 6 h 25 min 36 s
